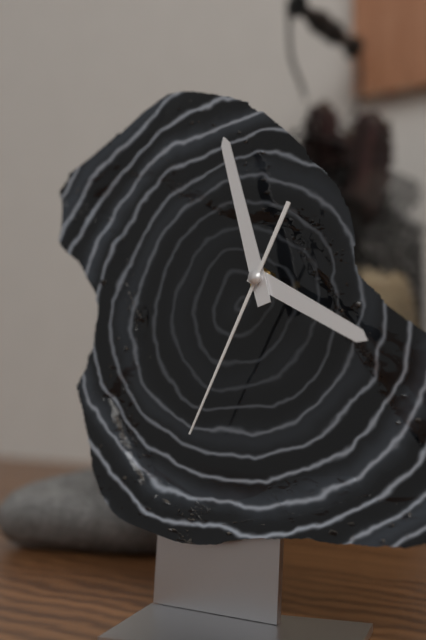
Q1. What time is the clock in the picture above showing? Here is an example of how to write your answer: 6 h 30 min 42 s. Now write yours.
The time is 3 h 57 min 34 s
